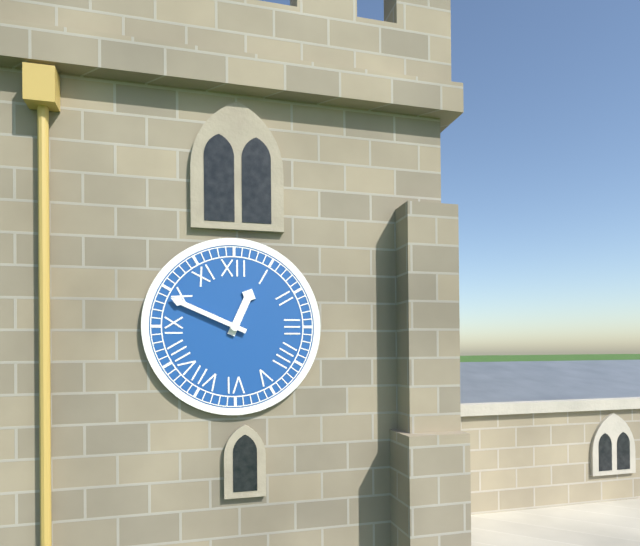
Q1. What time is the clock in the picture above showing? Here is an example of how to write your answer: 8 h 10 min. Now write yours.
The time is 12 h 49 min
